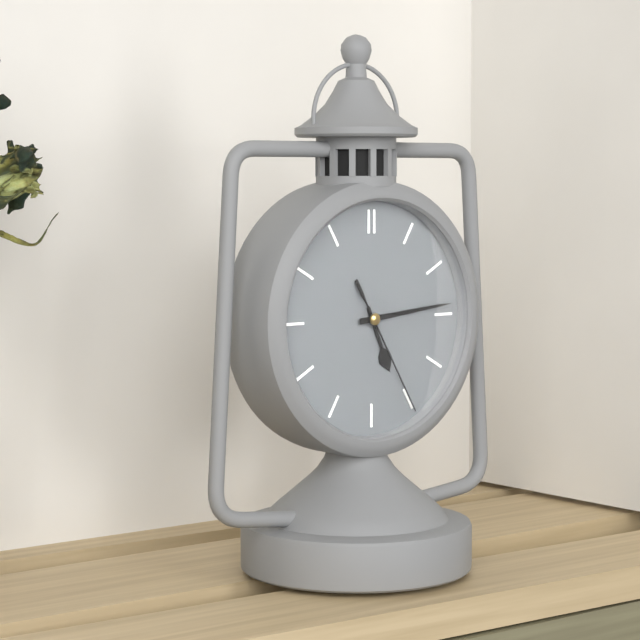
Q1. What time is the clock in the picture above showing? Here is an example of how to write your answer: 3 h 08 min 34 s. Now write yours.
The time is 5 h 14 min 25 s
